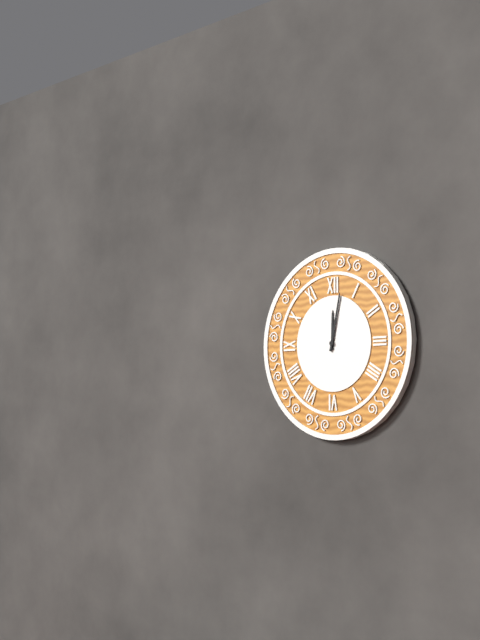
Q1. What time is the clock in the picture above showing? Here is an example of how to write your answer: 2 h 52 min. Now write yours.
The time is 12 h 02 min
